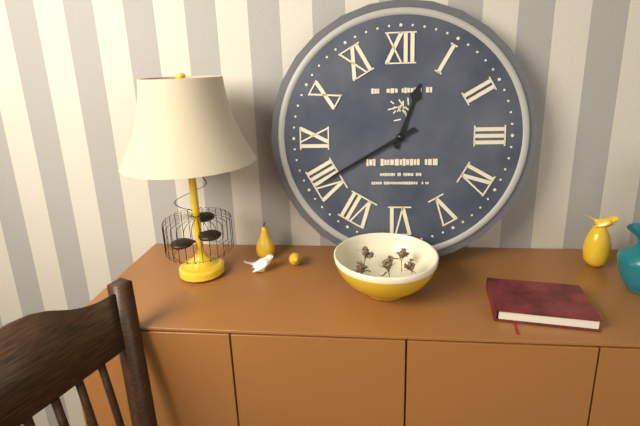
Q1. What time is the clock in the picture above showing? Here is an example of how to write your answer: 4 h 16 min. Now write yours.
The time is 12 h 40 min
